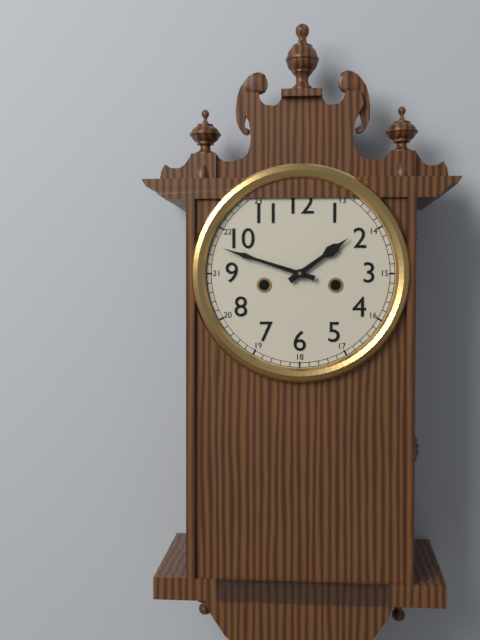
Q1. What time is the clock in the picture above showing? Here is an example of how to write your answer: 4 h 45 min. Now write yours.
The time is 1 h 48 min
